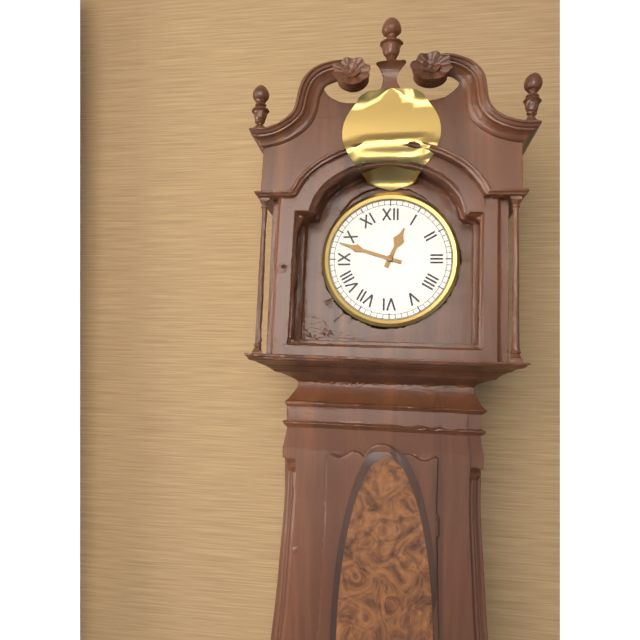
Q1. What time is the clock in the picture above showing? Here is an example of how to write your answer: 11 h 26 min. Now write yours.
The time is 12 h 48 min
